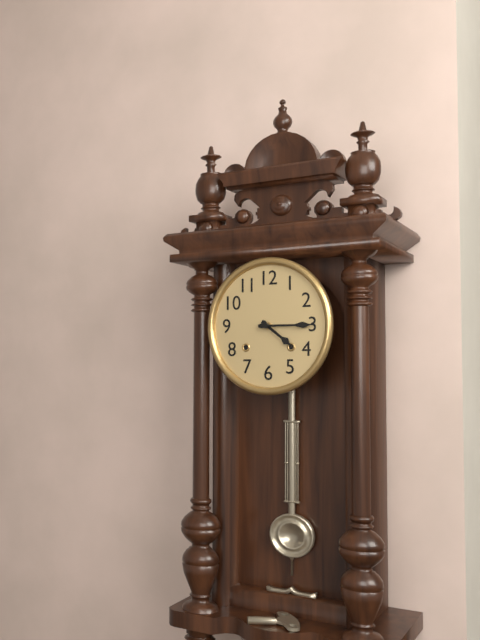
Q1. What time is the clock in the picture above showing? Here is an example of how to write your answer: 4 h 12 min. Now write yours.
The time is 4 h 15 min
